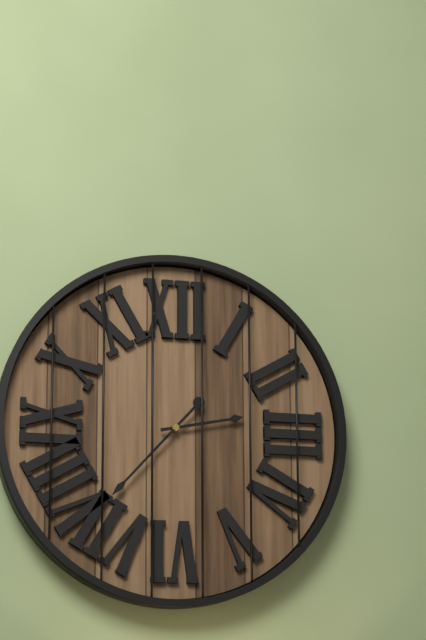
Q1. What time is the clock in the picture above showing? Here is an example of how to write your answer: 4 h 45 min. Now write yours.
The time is 2 h 37 min
